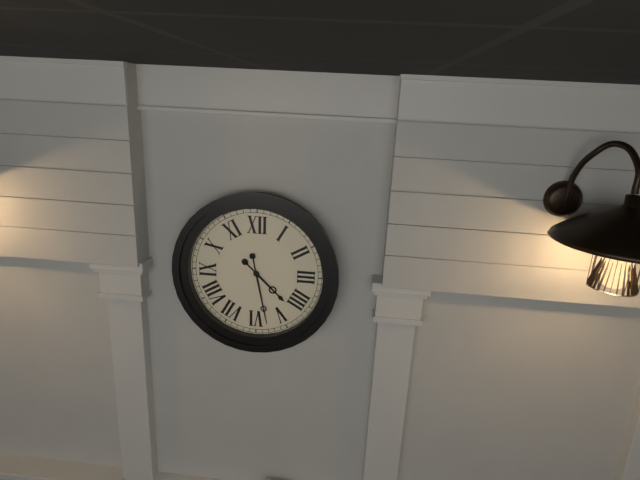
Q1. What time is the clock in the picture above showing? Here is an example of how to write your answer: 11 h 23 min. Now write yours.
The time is 4 h 28 min
